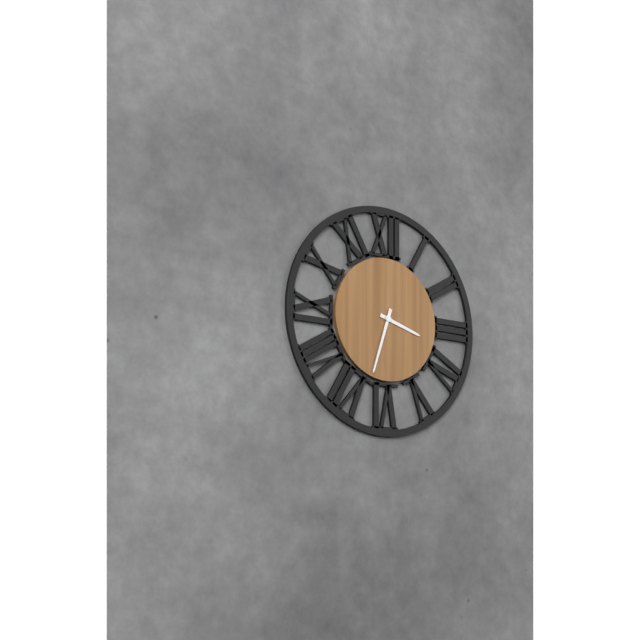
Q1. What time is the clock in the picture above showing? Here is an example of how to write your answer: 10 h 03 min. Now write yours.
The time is 3 h 33 min
